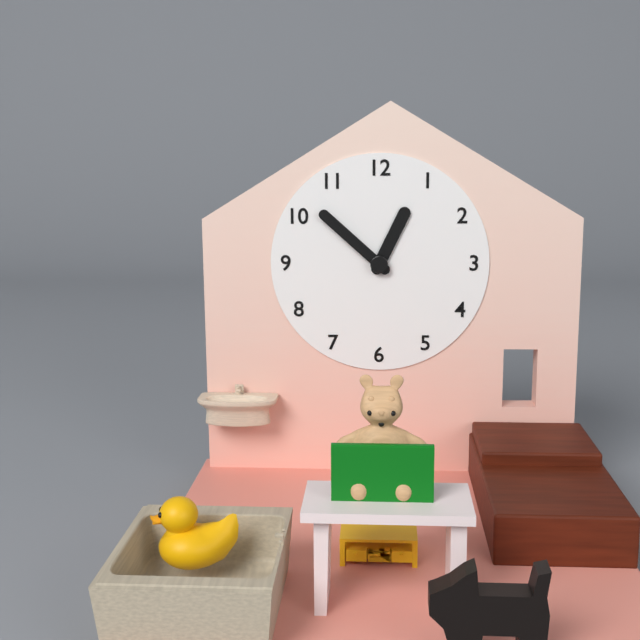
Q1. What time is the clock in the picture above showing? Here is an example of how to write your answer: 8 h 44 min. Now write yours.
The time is 12 h 52 min
